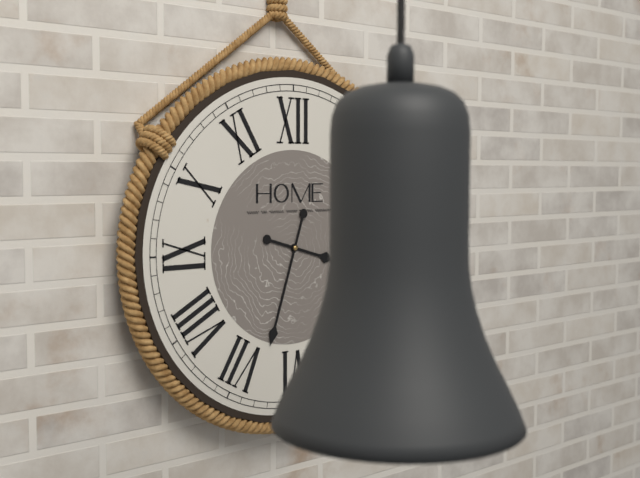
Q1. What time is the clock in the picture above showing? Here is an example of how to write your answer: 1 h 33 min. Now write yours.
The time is 3 h 33 min
